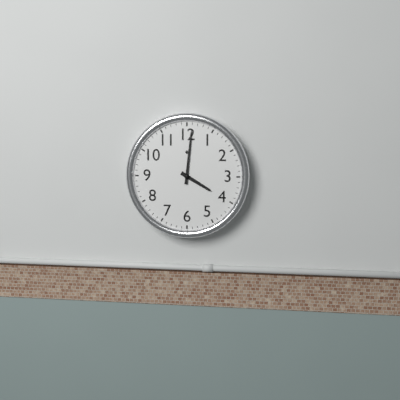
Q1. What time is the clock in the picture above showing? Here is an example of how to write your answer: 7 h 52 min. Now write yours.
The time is 4 h 01 min
